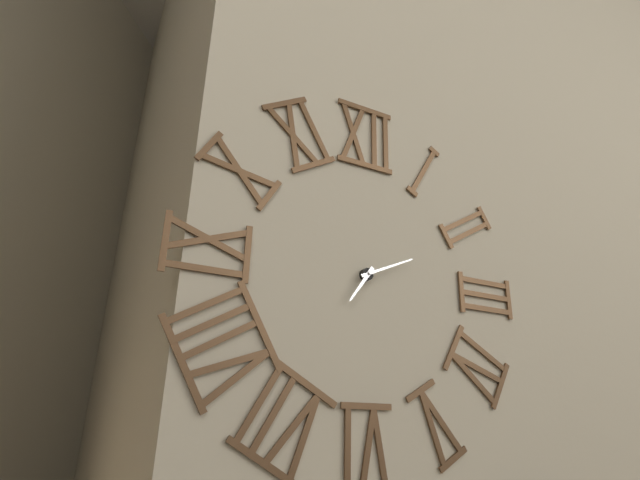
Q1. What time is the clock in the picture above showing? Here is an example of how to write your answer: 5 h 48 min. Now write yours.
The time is 7 h 11 min
